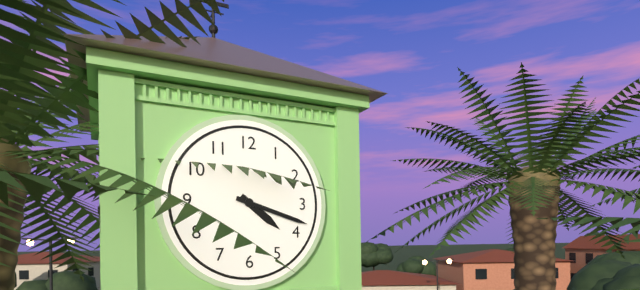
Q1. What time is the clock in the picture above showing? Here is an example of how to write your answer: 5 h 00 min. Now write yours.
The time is 4 h 18 min
